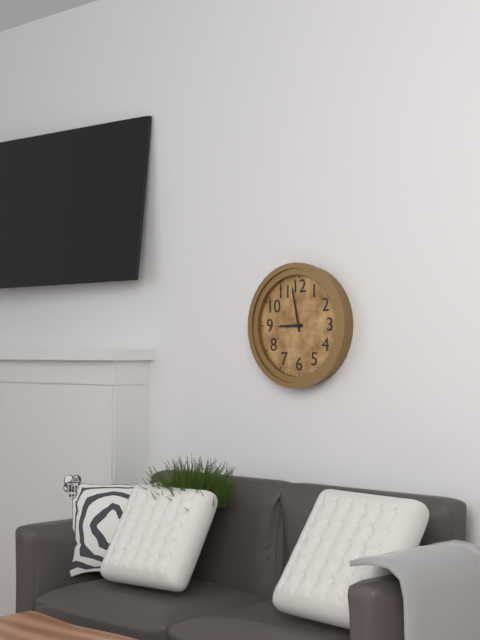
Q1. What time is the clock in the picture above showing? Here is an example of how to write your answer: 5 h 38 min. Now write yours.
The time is 8 h 58 min
